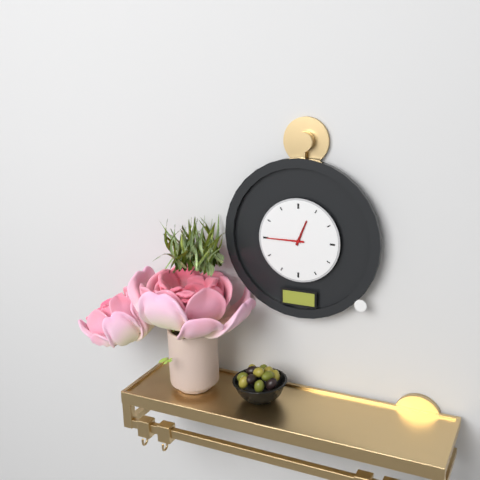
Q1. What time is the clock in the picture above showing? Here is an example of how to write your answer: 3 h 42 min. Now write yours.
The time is 12 h 45 min
